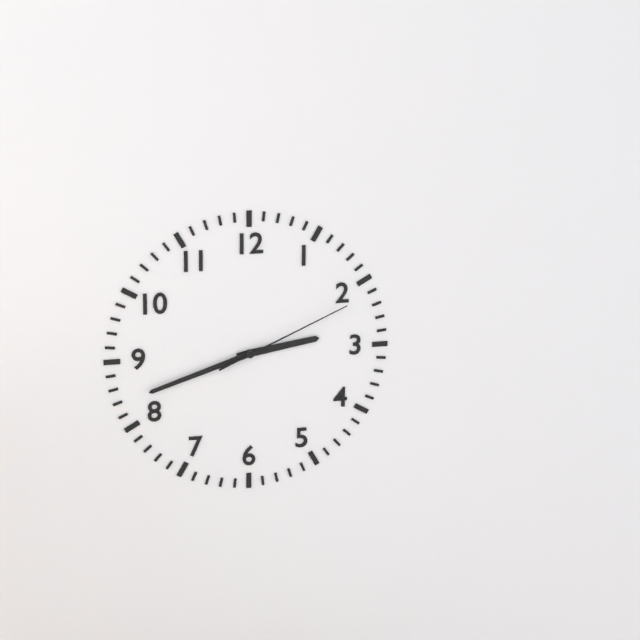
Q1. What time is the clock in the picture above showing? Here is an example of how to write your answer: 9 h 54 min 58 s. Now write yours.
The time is 2 h 42 min 11 s
